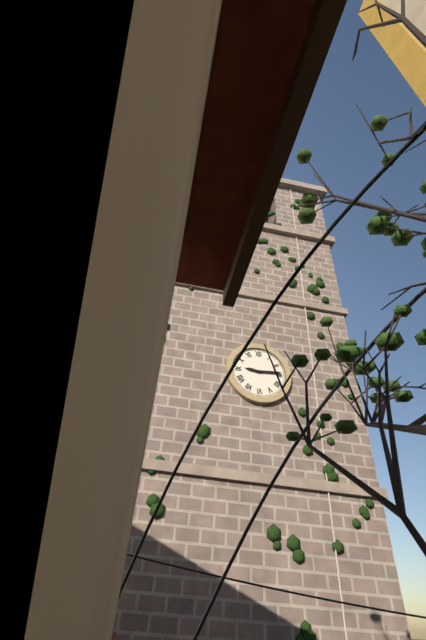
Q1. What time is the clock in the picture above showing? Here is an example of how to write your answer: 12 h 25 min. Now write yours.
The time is 9 h 14 min
